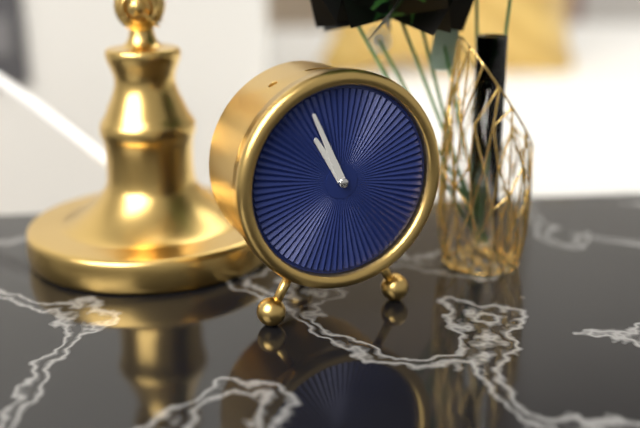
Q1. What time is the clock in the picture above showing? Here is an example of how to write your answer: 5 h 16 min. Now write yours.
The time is 10 h 56 min
